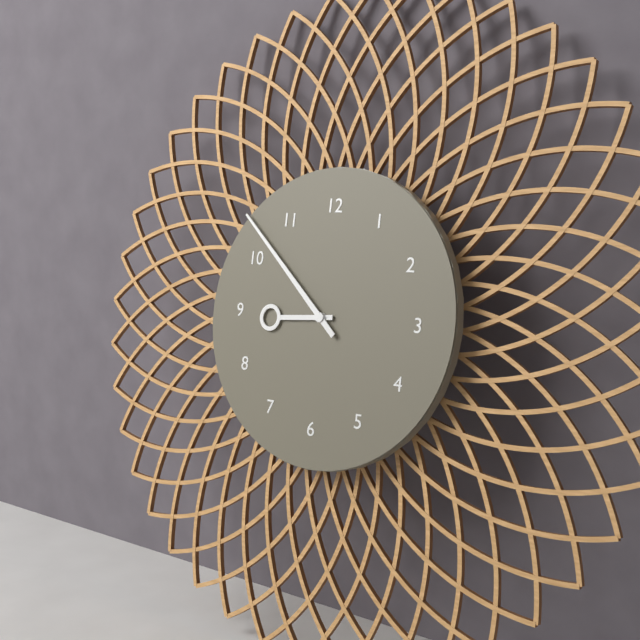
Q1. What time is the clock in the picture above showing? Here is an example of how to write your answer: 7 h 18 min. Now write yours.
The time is 8 h 52 min
